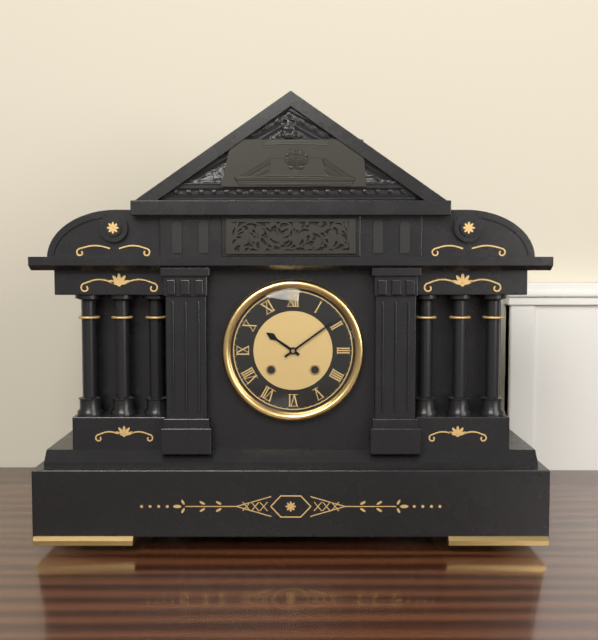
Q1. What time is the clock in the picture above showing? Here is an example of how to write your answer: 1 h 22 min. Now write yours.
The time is 10 h 09 min
